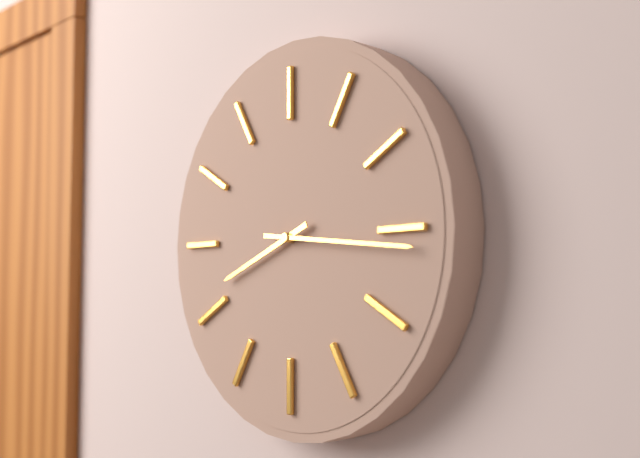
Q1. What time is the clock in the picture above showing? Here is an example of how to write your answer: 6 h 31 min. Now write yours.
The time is 8 h 16 min
